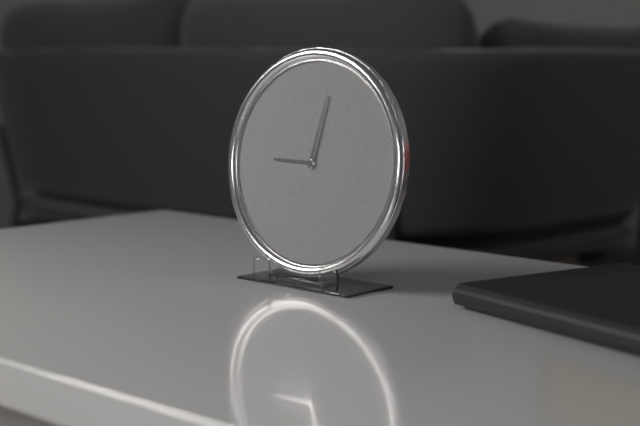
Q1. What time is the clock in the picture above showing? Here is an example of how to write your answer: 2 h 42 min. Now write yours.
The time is 9 h 02 min
